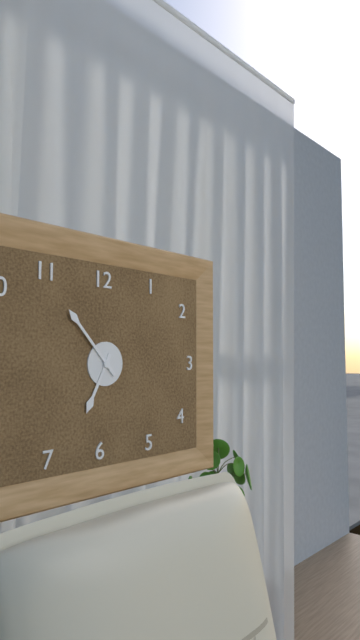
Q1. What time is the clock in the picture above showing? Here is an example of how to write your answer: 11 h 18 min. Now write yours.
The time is 6 h 53 min
